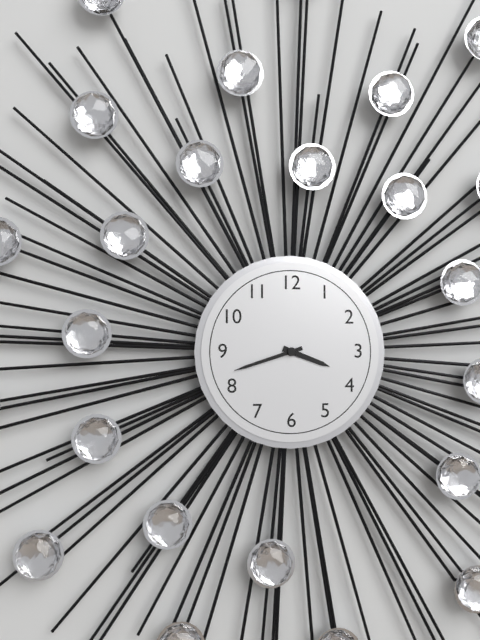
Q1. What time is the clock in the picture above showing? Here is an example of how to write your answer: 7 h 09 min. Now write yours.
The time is 3 h 42 min
